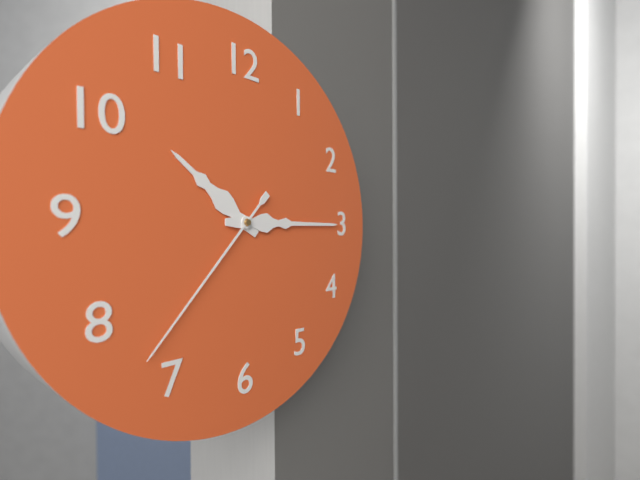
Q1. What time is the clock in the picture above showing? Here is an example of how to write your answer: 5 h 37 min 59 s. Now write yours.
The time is 10 h 15 min 37 s
